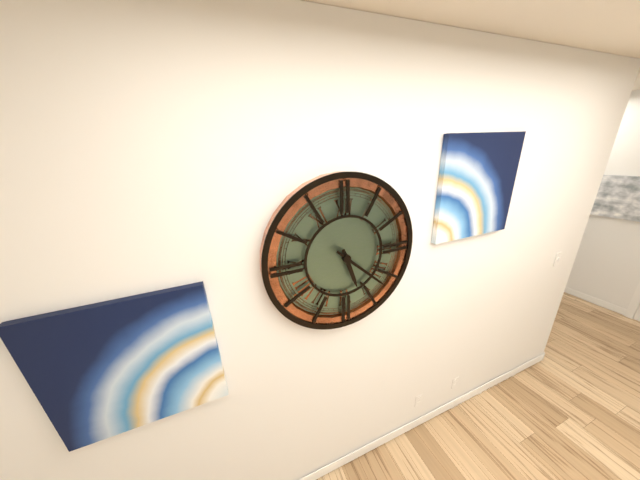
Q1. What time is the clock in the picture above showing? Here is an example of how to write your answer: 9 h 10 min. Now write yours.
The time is 5 h 22 min
